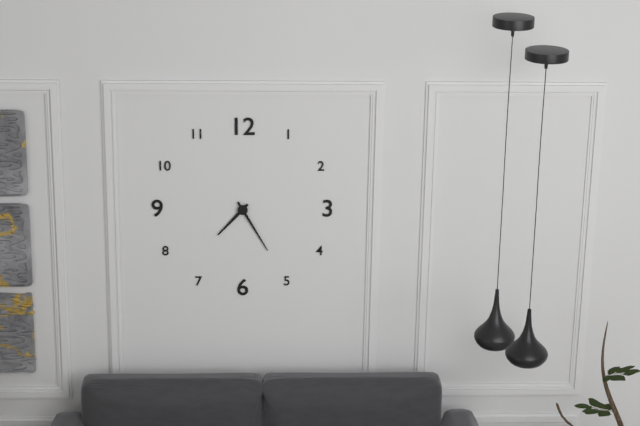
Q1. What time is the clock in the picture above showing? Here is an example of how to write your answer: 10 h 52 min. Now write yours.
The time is 7 h 25 min
